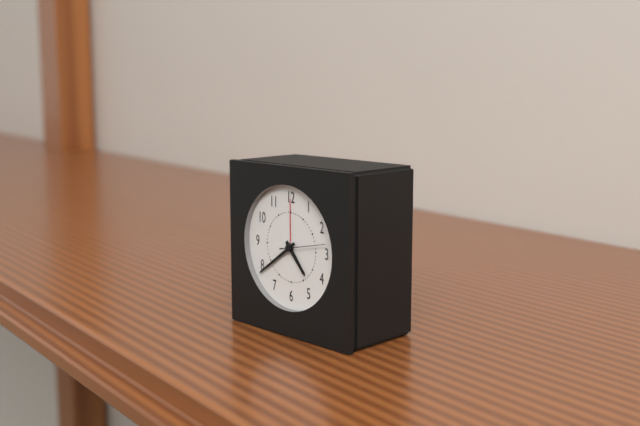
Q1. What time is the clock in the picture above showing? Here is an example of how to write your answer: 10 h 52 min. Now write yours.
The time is 4 h 39 min
